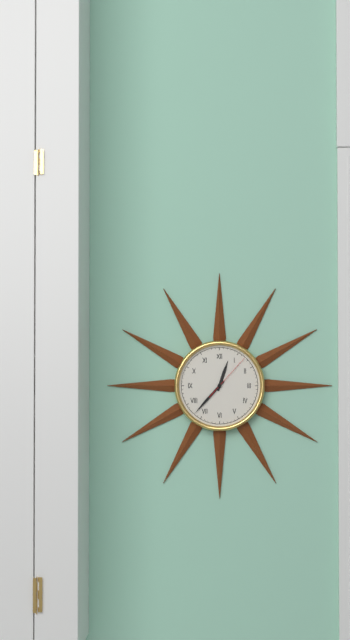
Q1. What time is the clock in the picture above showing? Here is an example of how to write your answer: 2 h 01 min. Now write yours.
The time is 12 h 37 min
